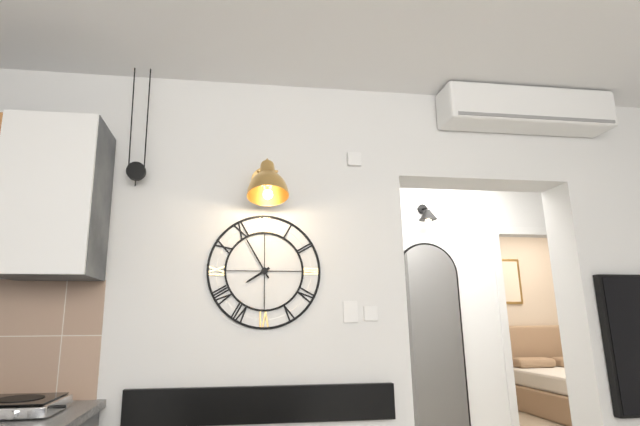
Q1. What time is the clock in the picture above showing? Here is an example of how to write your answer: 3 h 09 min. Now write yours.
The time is 7 h 55 min
